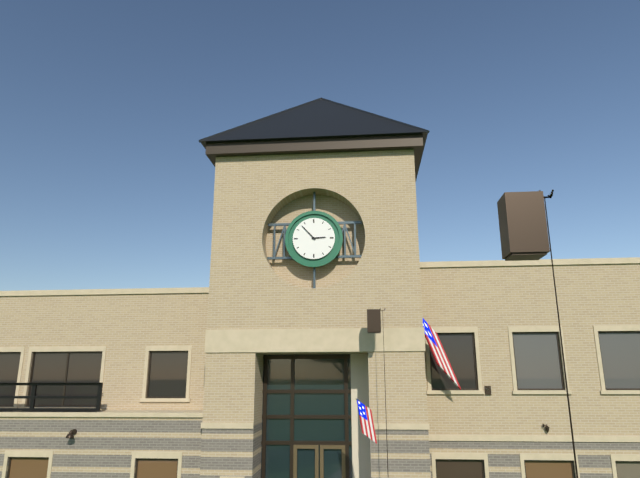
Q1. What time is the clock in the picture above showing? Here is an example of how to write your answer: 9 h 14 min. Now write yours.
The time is 2 h 53 min
